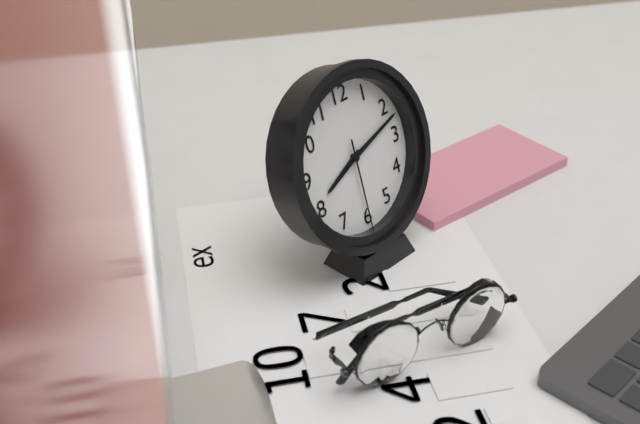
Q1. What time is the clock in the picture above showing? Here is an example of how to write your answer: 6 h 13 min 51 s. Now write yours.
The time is 8 h 12 min 30 s
